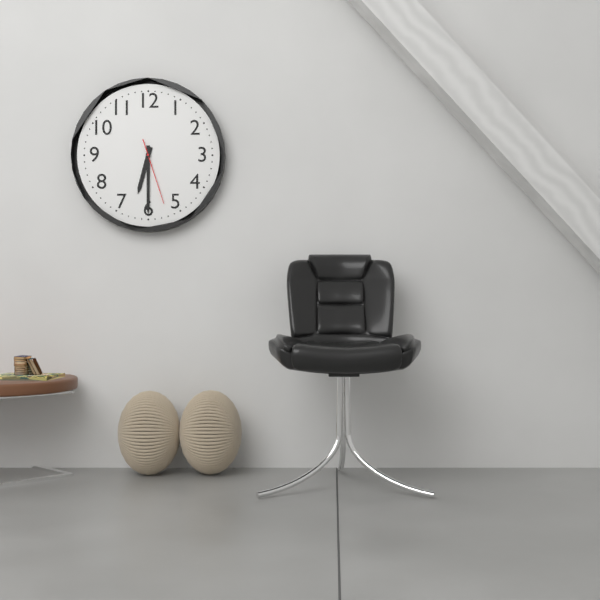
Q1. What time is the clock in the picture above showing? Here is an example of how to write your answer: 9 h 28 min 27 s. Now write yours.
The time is 6 h 30 min 27 s
